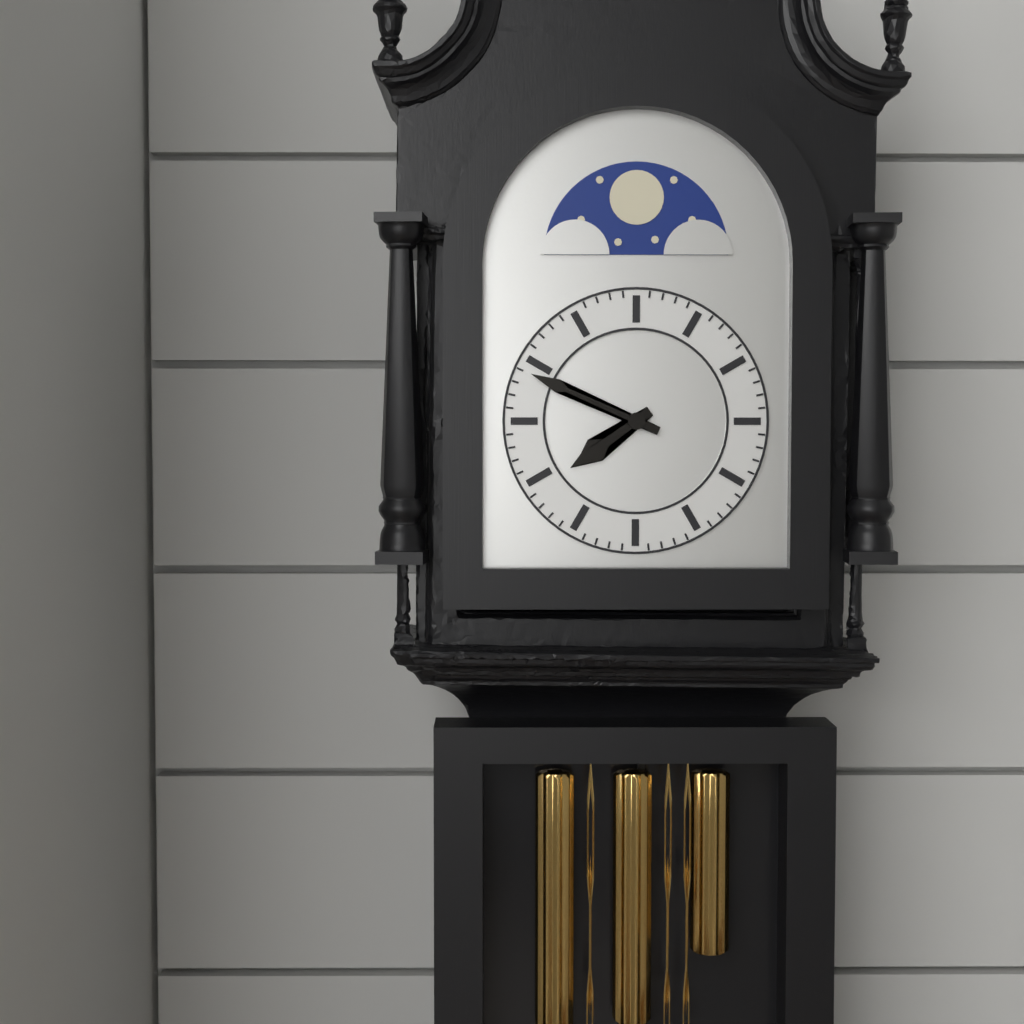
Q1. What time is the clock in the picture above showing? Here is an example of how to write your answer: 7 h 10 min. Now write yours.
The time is 7 h 49 min
